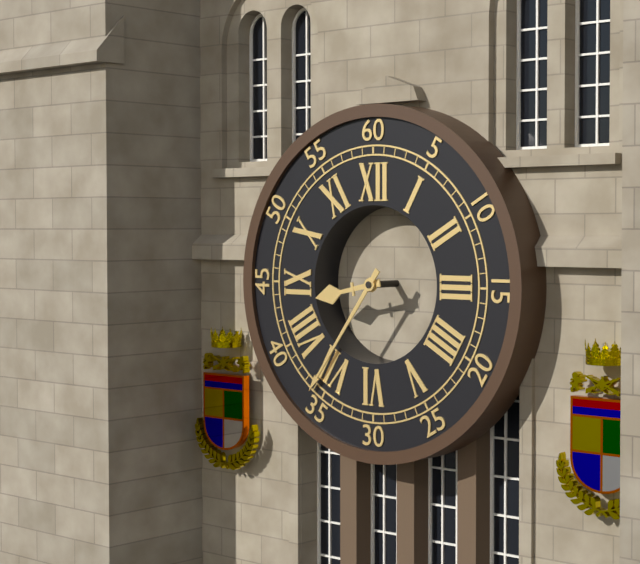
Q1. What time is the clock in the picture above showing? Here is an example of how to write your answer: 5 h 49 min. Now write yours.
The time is 8 h 36 min
